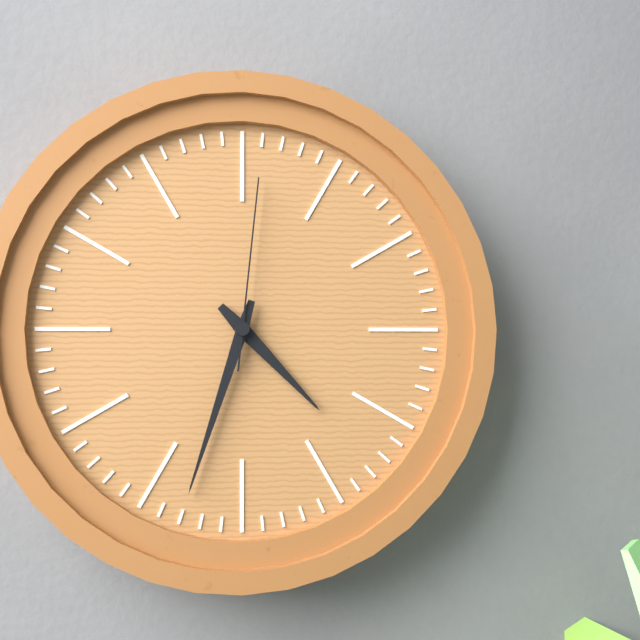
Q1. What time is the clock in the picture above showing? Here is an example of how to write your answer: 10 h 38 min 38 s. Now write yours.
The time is 4 h 33 min 01 s
